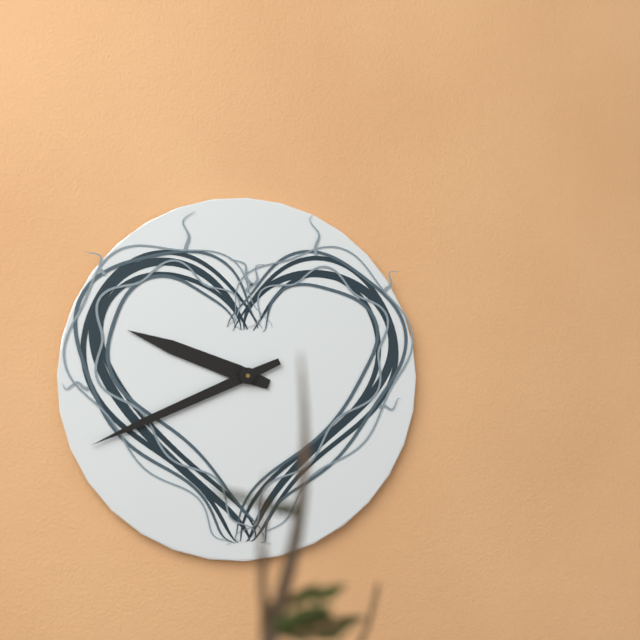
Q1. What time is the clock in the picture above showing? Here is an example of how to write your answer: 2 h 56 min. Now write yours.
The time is 9 h 41 min
